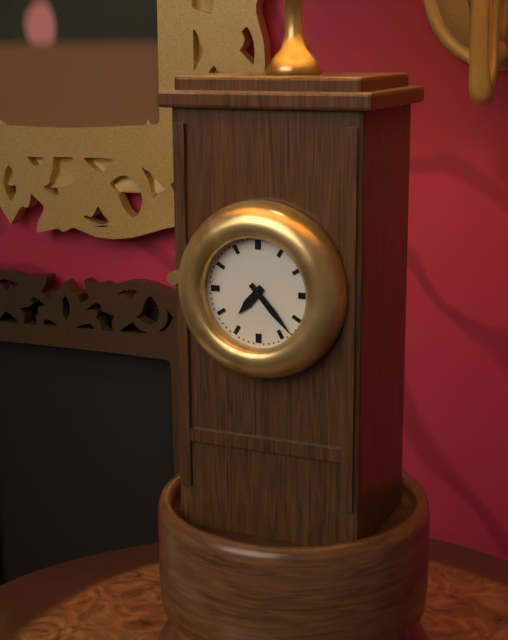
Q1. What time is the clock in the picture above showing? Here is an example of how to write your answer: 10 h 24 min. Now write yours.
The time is 7 h 23 min
